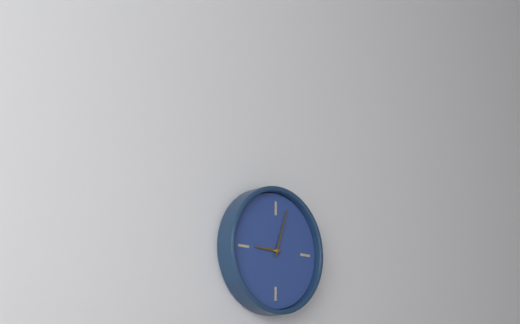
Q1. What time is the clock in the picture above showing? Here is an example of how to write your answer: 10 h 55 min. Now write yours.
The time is 9 h 03 min
